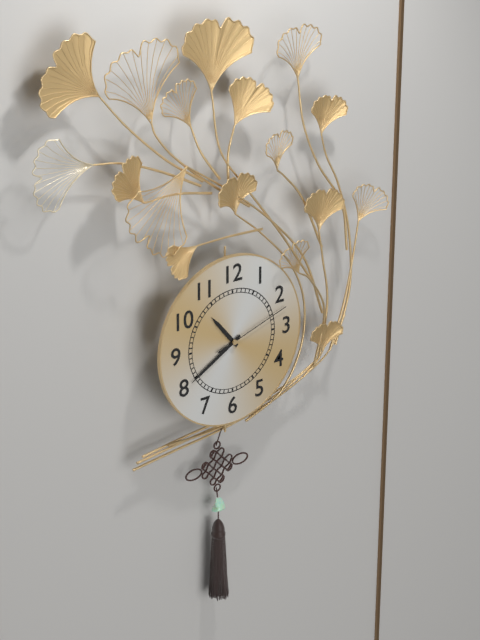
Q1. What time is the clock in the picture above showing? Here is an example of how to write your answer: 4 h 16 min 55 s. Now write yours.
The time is 10 h 40 min 12 s
